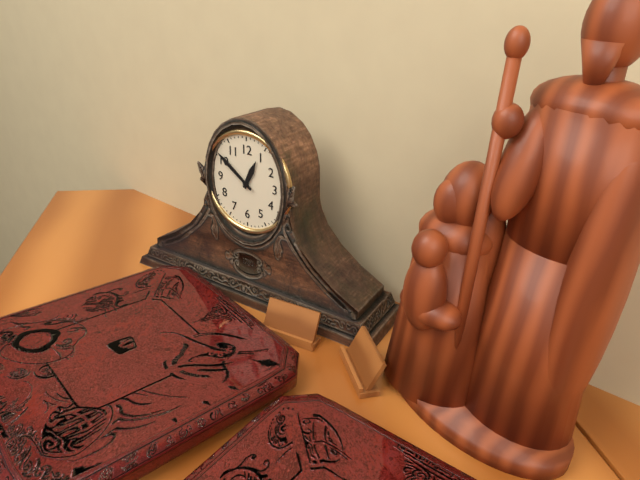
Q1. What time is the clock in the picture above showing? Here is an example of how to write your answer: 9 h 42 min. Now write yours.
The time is 12 h 51 min
